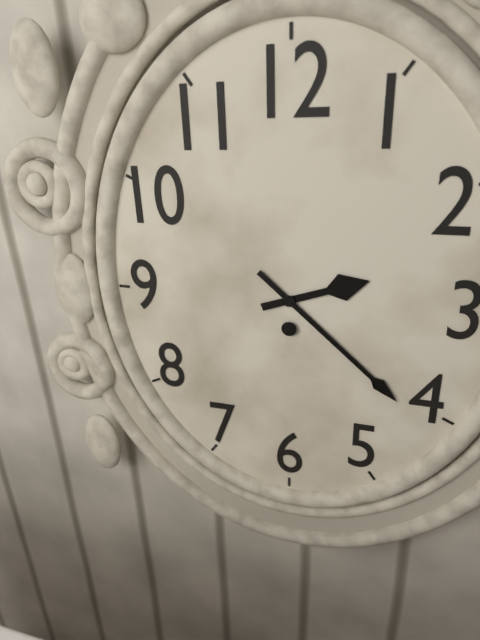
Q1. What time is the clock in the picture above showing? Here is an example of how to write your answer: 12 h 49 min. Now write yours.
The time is 2 h 22 min
